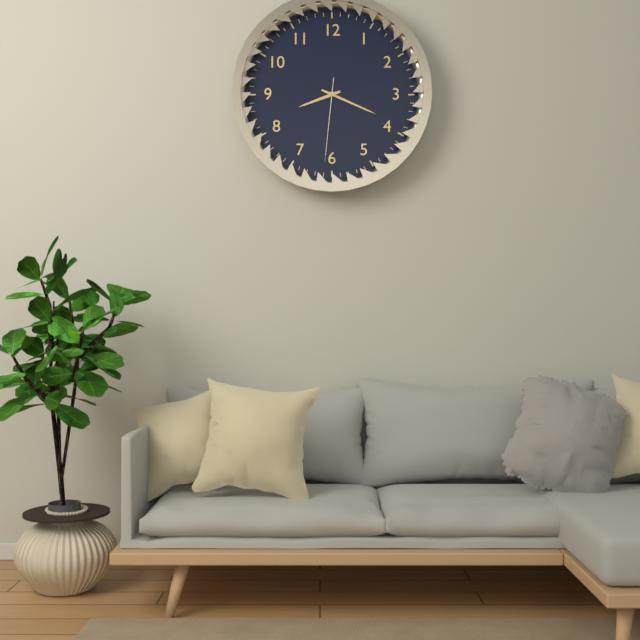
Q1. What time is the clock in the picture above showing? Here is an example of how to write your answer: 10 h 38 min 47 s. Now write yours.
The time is 8 h 19 min 31 s
